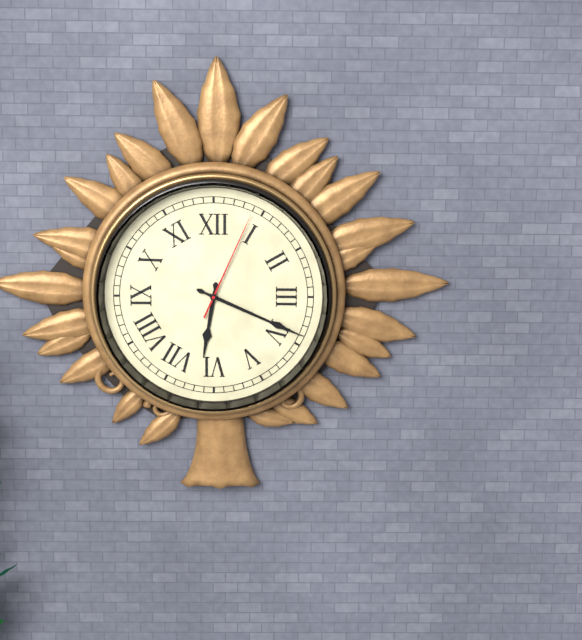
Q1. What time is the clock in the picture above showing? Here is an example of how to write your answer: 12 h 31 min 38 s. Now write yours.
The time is 6 h 19 min 04 s
